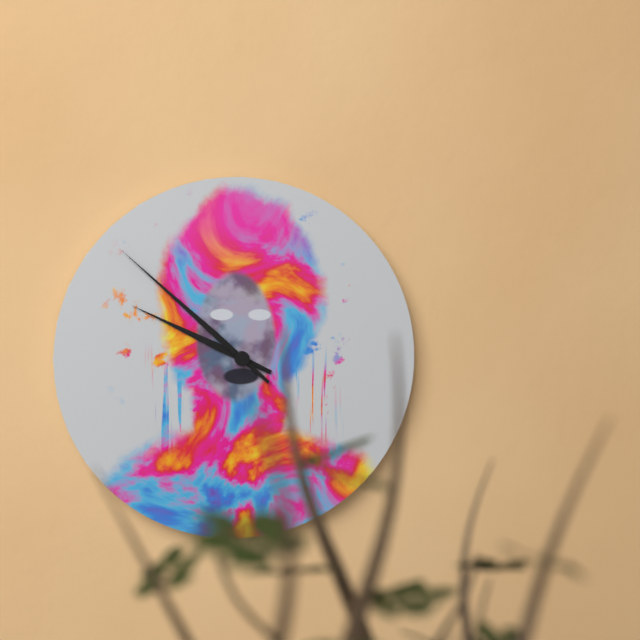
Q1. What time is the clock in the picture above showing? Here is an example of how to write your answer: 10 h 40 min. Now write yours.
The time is 9 h 52 min
